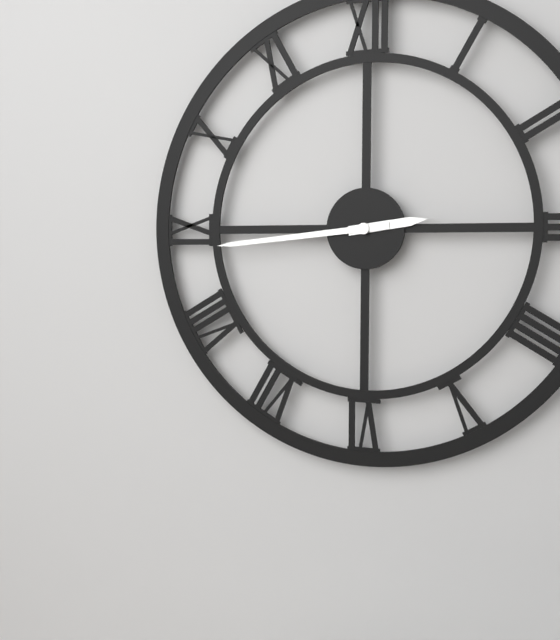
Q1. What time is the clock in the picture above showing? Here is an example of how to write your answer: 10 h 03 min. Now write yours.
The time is 2 h 44 min
